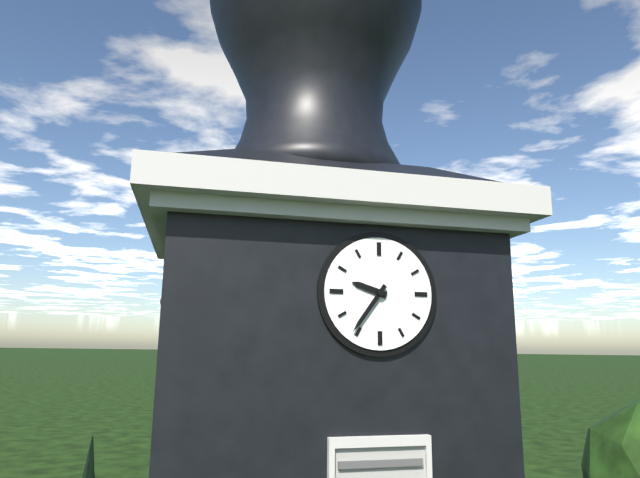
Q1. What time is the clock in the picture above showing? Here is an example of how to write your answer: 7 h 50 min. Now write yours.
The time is 9 h 36 min
